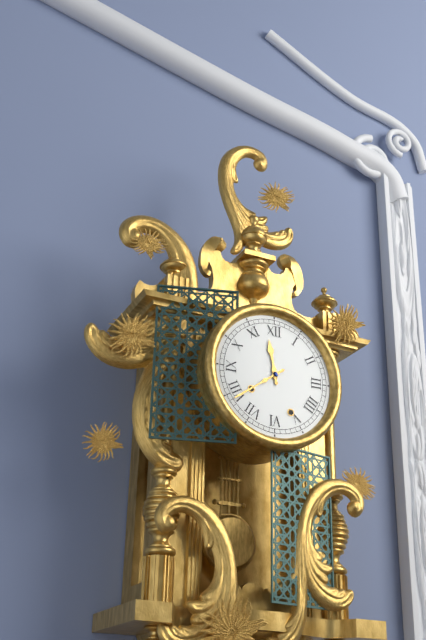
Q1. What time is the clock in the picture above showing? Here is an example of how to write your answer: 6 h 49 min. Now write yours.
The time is 11 h 39 min
